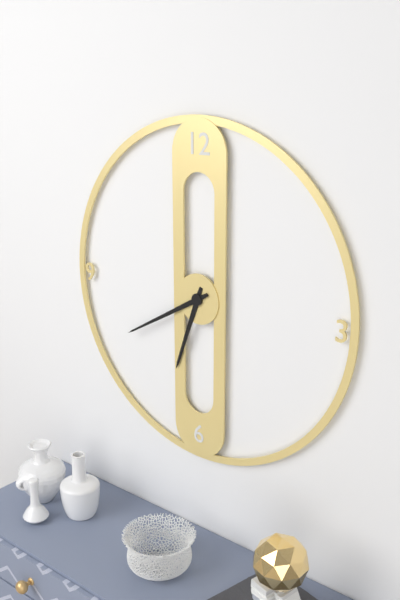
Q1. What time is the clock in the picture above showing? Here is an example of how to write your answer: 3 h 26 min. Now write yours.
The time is 6 h 40 min
